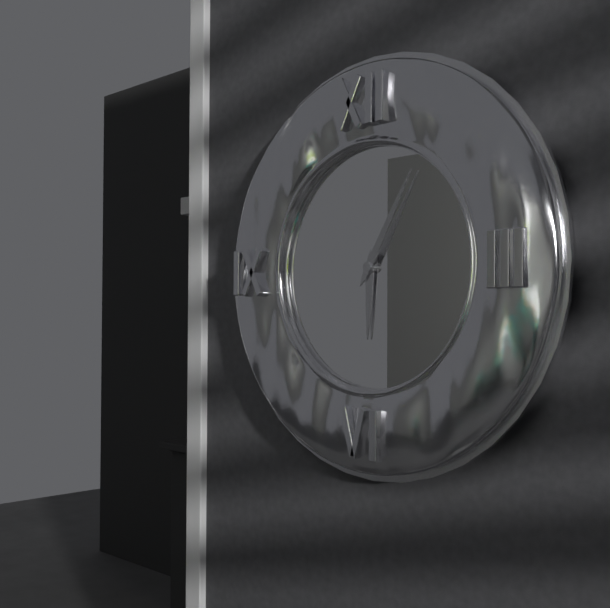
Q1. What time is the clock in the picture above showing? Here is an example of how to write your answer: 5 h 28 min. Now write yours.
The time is 6 h 05 min
